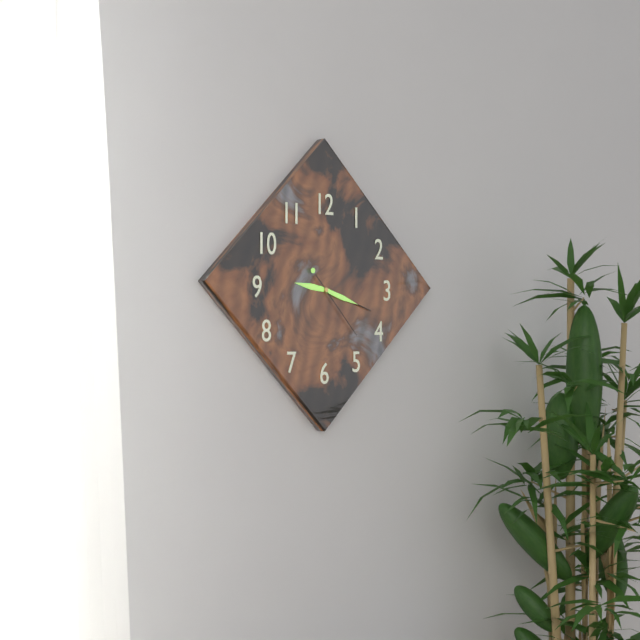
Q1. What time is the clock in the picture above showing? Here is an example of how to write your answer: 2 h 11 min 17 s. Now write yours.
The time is 9 h 18 min 23 s
